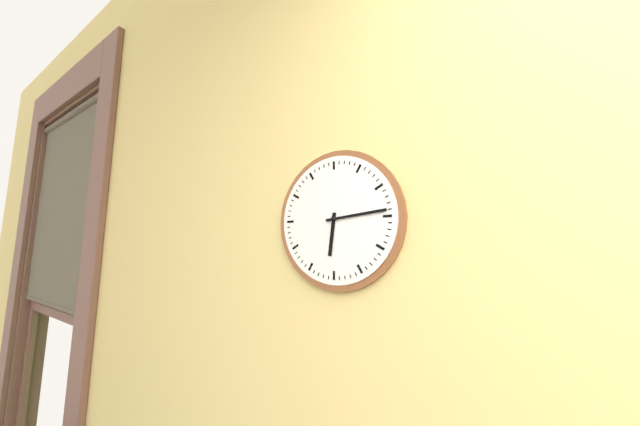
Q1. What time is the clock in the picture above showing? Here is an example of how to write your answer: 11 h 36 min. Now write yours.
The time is 6 h 14 min
